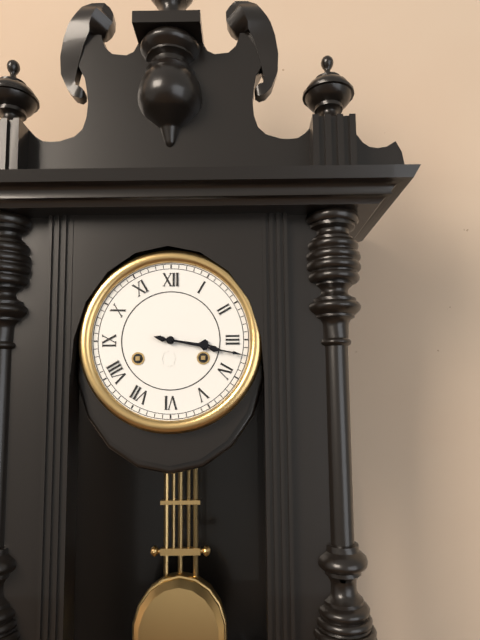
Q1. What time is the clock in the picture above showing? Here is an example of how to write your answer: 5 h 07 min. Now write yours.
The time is 3 h 17 min
